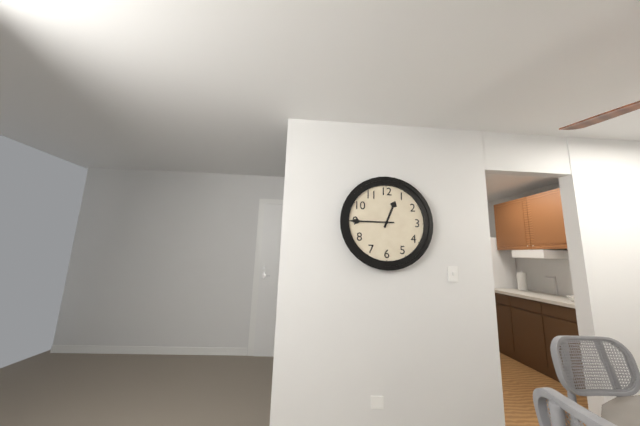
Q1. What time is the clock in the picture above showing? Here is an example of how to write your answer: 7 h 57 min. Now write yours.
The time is 12 h 45 min
